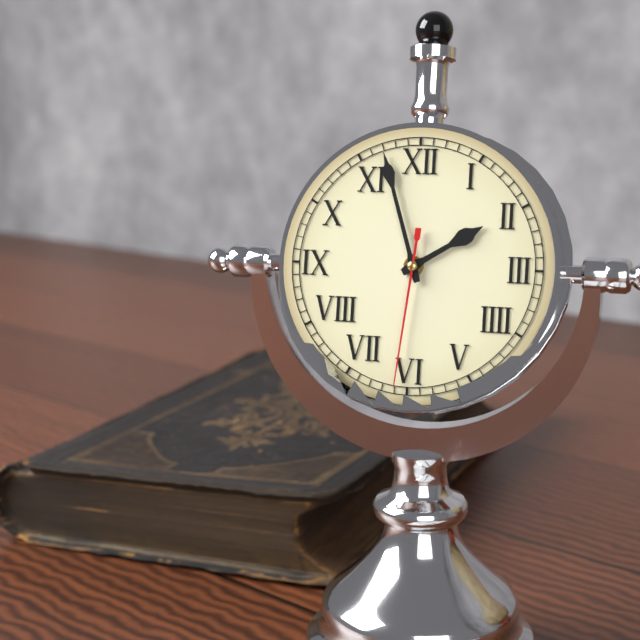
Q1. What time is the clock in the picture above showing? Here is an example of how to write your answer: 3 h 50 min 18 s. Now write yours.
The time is 1 h 57 min 31 s
